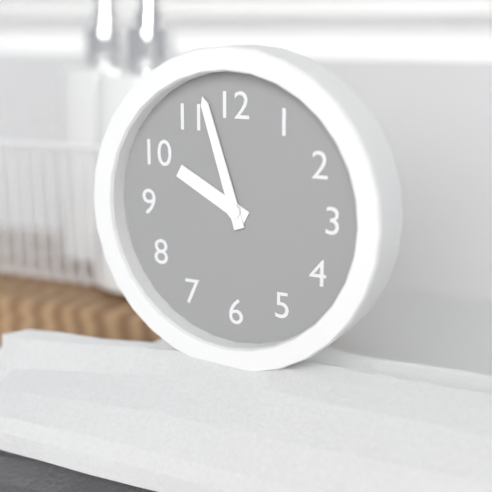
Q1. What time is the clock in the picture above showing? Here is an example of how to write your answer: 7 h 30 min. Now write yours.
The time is 9 h 57 min
